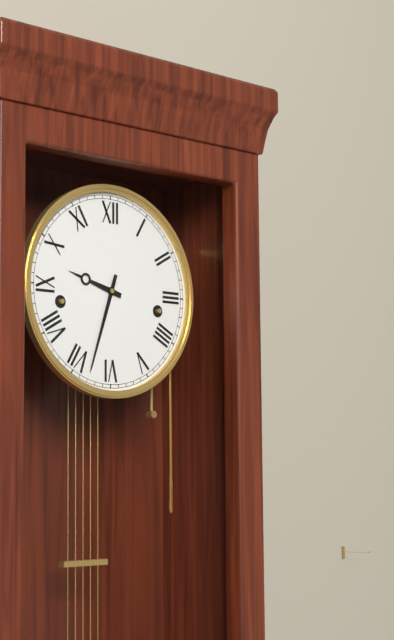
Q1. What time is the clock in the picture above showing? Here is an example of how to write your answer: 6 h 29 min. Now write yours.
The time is 9 h 33 min
